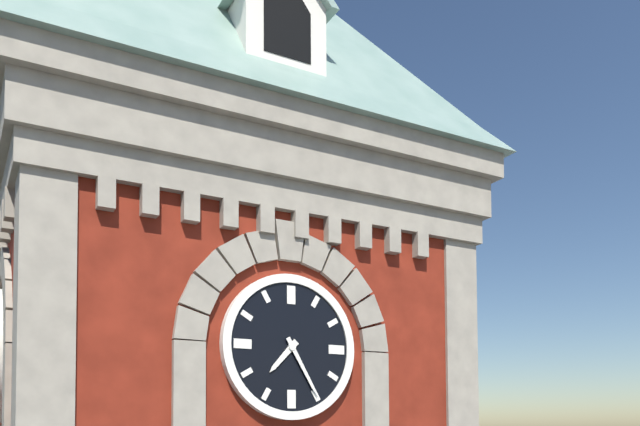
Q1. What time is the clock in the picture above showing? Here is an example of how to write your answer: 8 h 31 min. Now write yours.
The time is 7 h 25 min
